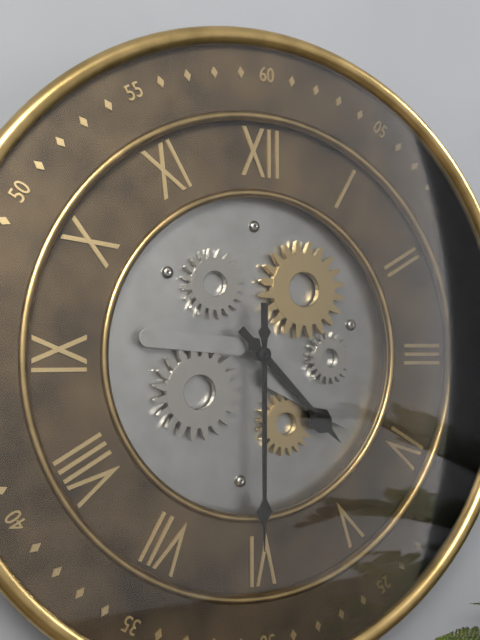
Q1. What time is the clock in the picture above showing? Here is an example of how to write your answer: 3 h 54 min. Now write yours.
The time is 4 h 30 min
